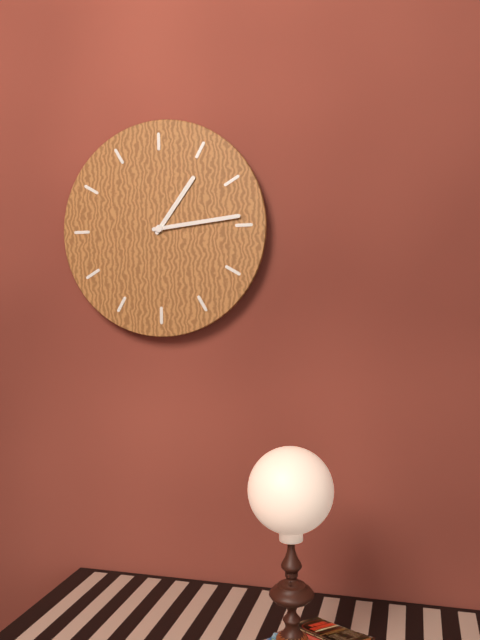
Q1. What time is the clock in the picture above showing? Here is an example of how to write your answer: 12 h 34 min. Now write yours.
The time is 1 h 14 min
